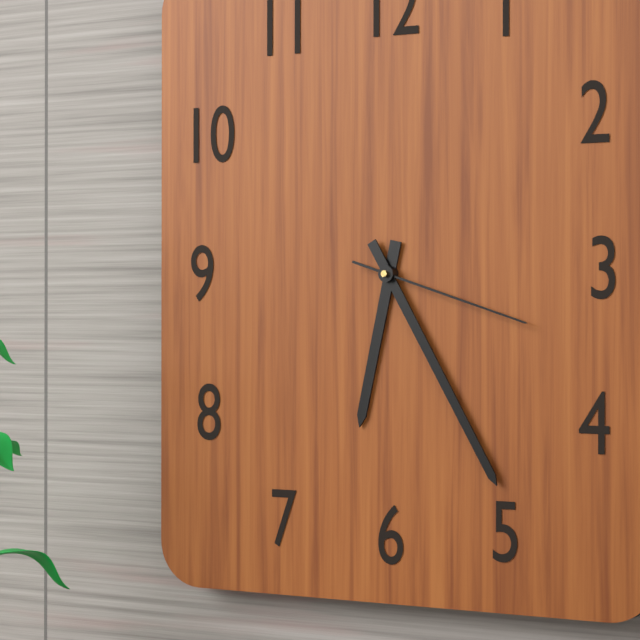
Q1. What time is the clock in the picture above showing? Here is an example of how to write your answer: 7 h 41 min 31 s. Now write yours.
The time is 6 h 25 min 18 s
